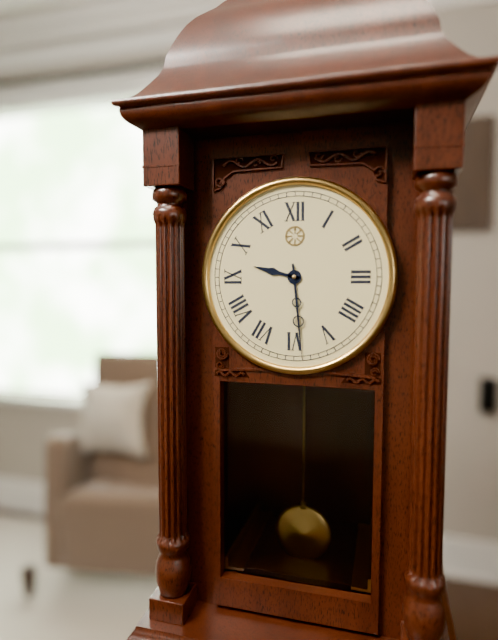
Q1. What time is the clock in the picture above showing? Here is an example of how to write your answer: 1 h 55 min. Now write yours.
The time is 9 h 29 min
